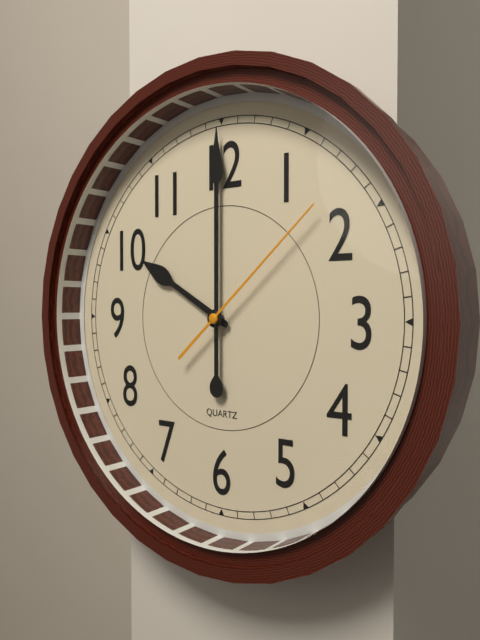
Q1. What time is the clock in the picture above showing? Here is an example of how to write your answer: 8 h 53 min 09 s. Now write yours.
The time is 10 h 00 min 08 s
